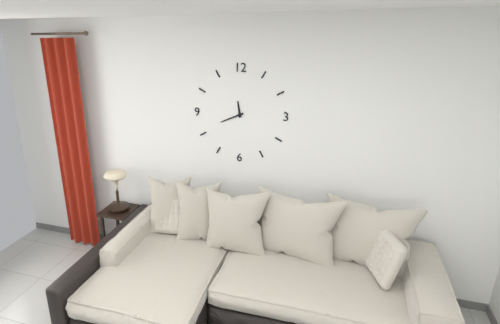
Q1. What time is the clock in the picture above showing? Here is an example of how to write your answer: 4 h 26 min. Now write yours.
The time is 11 h 41 min
